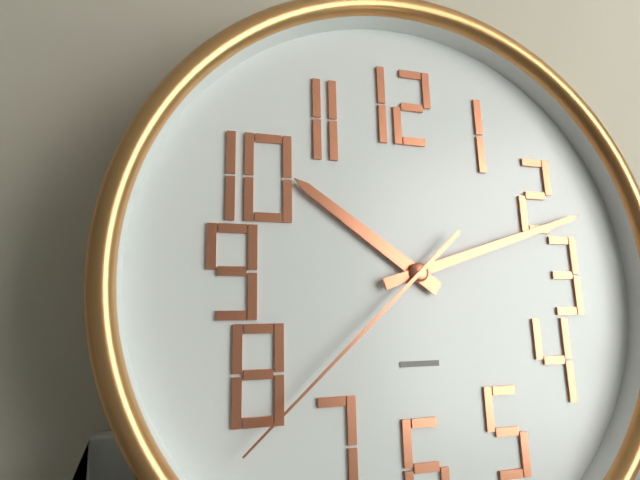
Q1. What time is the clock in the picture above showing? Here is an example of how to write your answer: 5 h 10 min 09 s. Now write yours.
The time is 10 h 12 min 38 s
